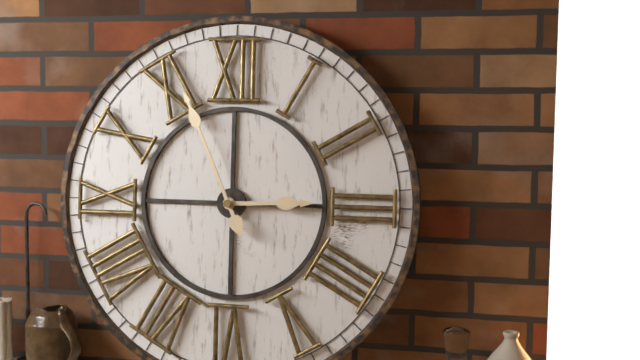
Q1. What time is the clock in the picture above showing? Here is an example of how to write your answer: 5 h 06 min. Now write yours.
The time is 2 h 56 min
